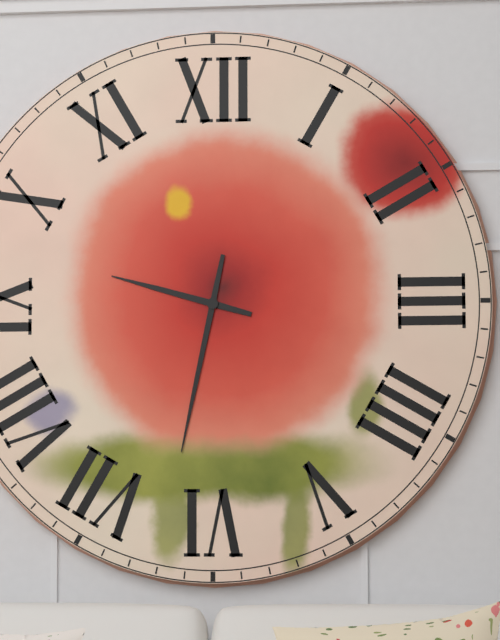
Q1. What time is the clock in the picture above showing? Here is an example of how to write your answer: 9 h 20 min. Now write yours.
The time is 9 h 32 min
